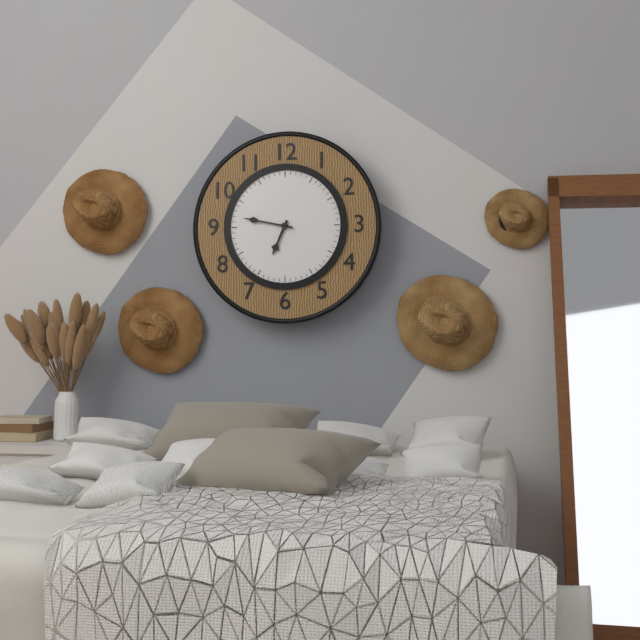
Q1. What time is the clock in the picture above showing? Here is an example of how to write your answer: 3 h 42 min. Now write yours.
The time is 6 h 47 min
